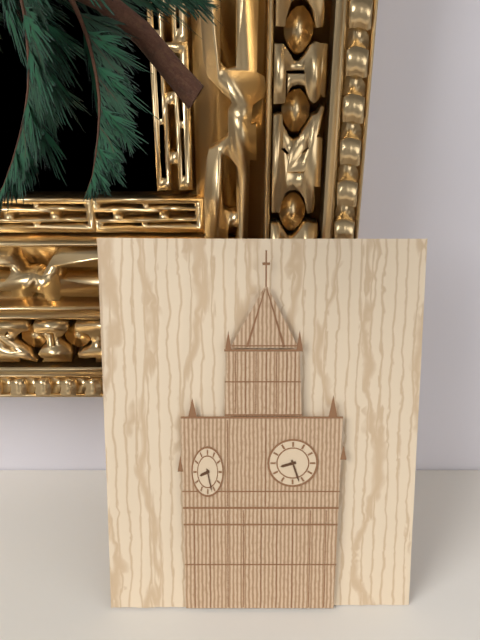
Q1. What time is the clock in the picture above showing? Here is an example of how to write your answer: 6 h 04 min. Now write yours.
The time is 8 h 27 min
